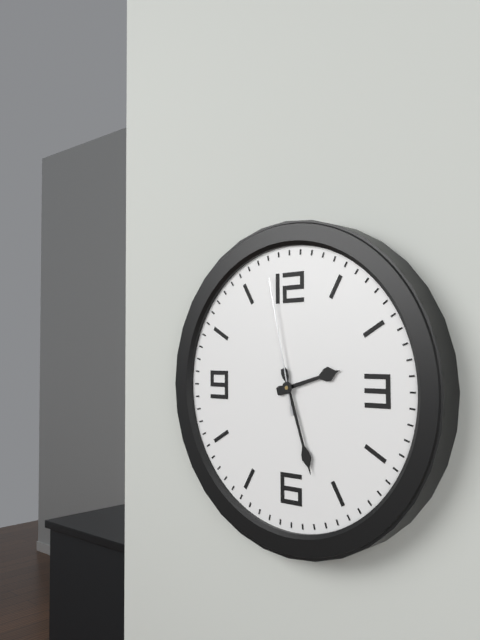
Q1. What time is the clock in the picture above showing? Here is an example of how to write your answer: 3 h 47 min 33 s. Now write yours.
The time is 2 h 27 min 58 s
